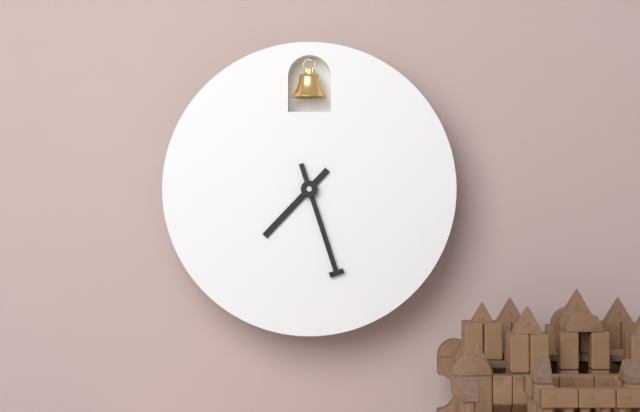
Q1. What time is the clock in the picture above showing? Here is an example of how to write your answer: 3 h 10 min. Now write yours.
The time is 7 h 27 min
